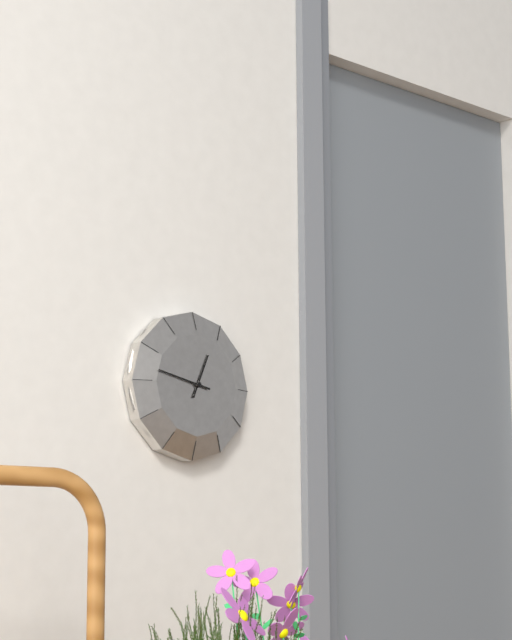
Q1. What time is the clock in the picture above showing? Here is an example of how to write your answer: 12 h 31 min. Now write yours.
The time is 12 h 47 min
